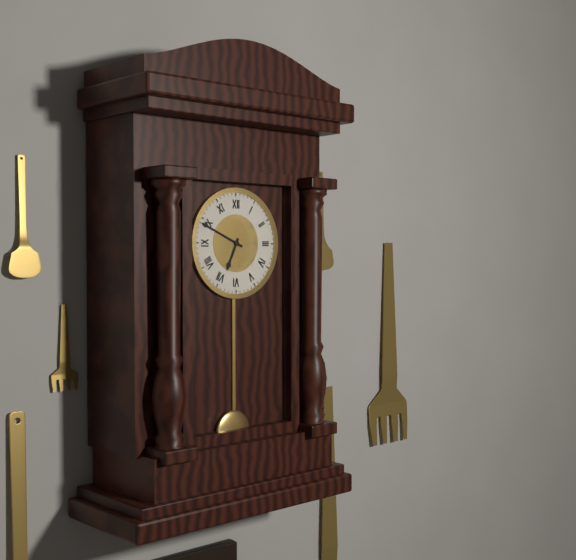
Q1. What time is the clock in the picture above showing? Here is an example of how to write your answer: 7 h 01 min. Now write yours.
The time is 6 h 49 min
